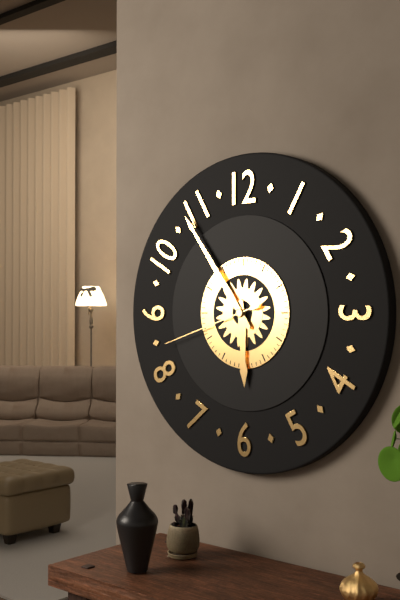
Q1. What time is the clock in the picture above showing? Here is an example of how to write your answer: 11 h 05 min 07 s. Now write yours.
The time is 5 h 54 min 42 s
